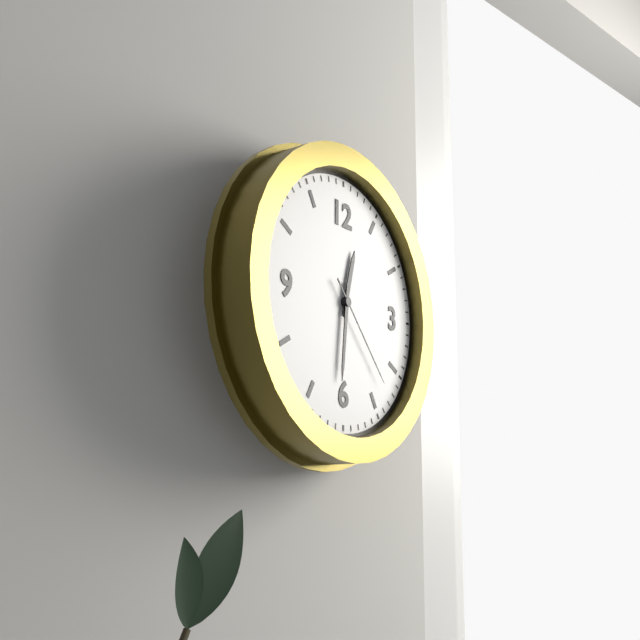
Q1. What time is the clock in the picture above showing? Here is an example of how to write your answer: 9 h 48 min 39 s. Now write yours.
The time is 12 h 31 min 23 s
